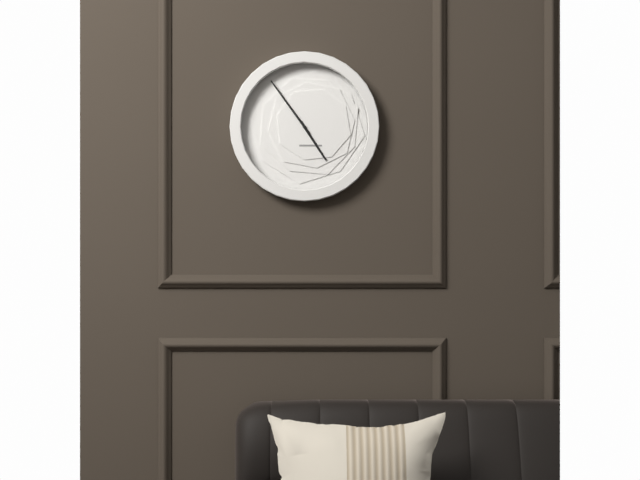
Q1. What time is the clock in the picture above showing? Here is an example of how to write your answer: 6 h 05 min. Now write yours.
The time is 4 h 54 min
